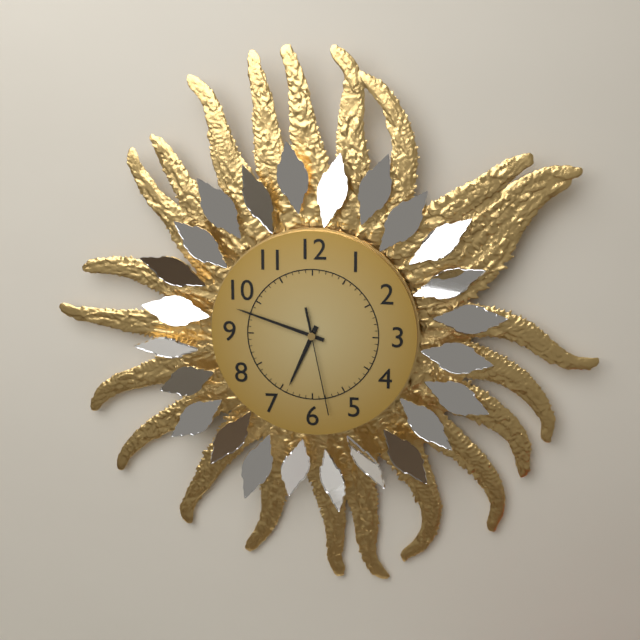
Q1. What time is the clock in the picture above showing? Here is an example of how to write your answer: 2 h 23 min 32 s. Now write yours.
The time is 6 h 48 min 28 s
